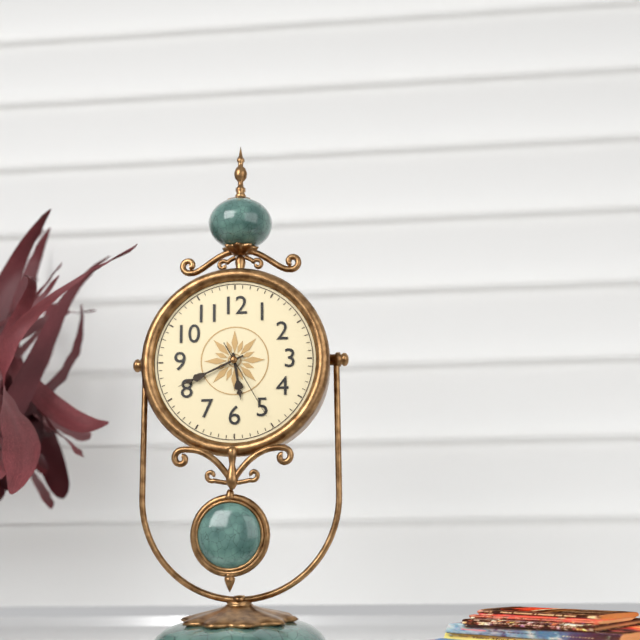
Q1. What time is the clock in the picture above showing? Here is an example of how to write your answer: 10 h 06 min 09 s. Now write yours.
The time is 5 h 41 min 25 s
